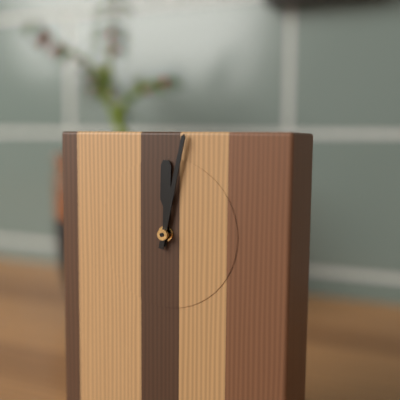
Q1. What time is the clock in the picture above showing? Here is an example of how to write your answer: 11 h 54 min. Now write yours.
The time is 12 h 02 min
